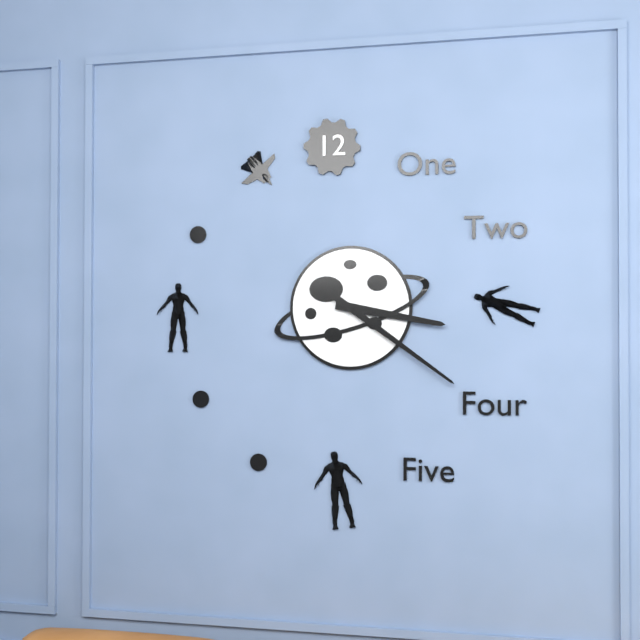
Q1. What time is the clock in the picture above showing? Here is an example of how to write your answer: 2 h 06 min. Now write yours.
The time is 3 h 21 min
